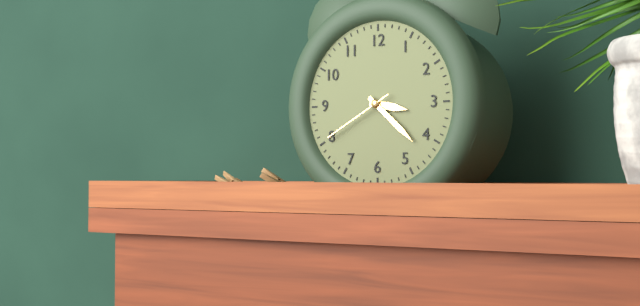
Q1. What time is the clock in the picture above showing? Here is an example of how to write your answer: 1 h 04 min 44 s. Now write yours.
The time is 3 h 22 min 40 s
